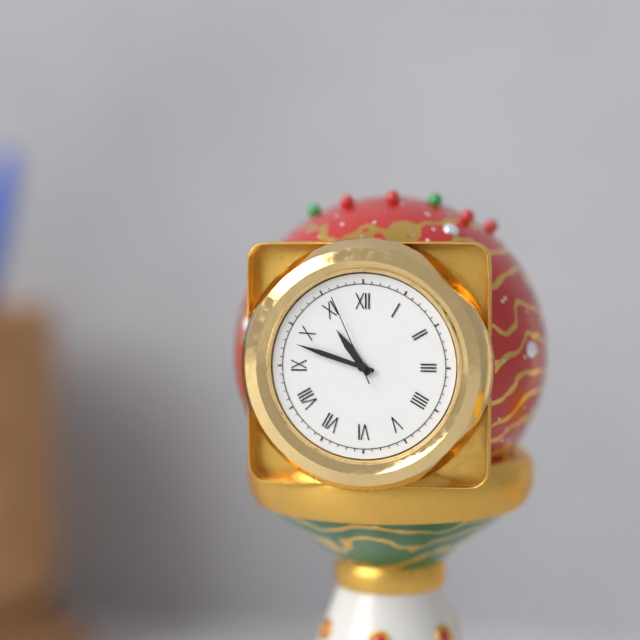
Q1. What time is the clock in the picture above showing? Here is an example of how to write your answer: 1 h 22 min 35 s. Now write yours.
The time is 10 h 48 min 56 s
